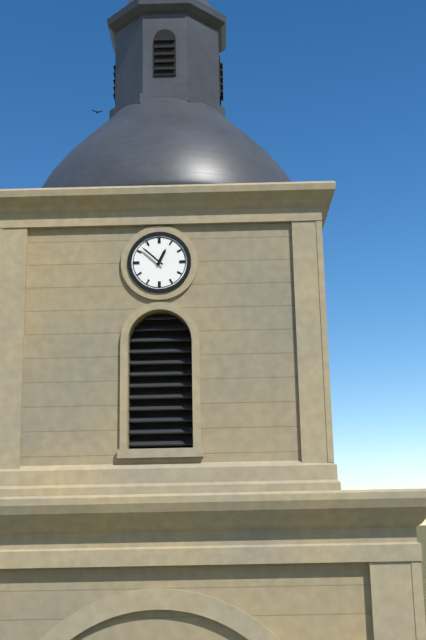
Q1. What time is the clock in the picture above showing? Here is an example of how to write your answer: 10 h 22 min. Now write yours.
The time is 12 h 52 min
